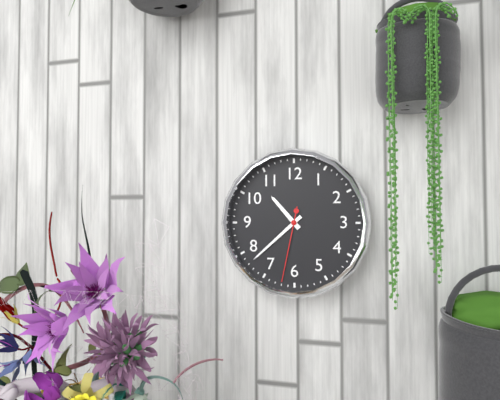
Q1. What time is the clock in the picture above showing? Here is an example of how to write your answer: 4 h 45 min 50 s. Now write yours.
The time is 10 h 38 min 32 s
